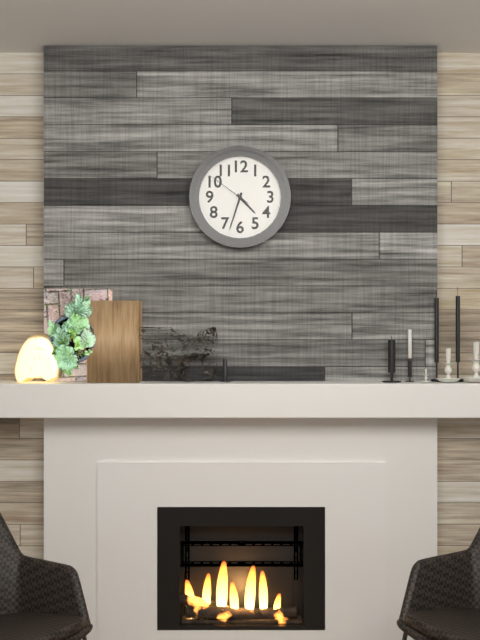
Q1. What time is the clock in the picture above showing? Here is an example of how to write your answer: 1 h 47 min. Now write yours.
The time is 4 h 33 min
